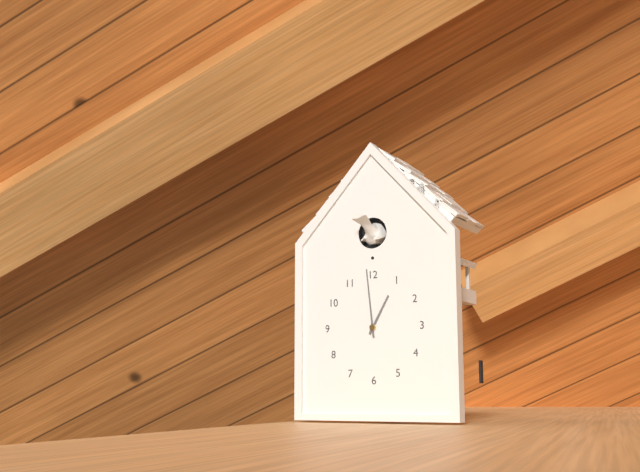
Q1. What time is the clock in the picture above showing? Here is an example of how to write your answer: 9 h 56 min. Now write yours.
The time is 12 h 59 min
